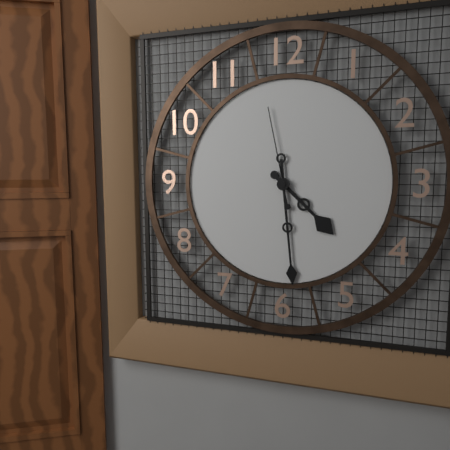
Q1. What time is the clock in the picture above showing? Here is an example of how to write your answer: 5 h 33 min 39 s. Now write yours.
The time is 4 h 29 min 58 s
